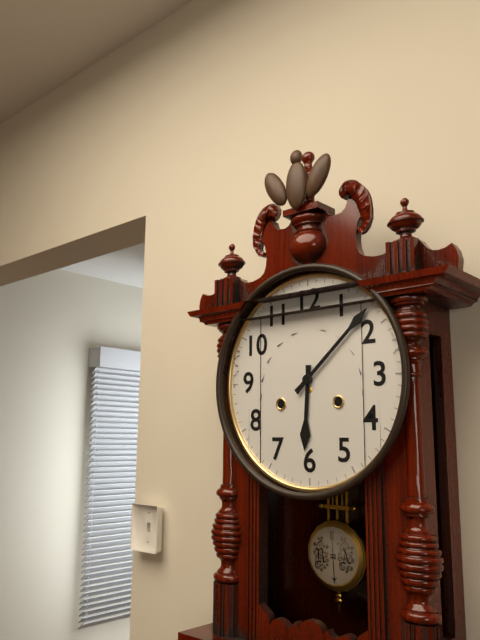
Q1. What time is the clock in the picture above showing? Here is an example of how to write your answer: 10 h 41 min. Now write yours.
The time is 6 h 08 min
